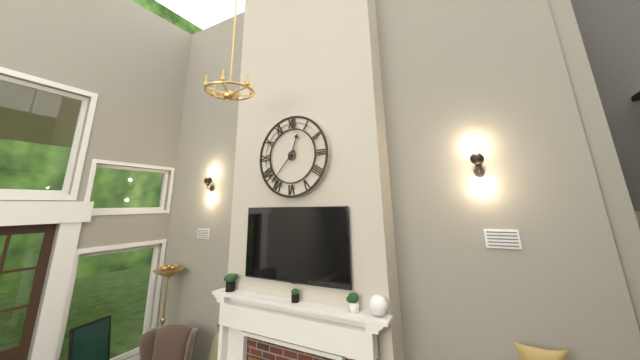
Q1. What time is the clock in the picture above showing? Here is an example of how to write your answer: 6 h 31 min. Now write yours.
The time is 12 h 37 min
